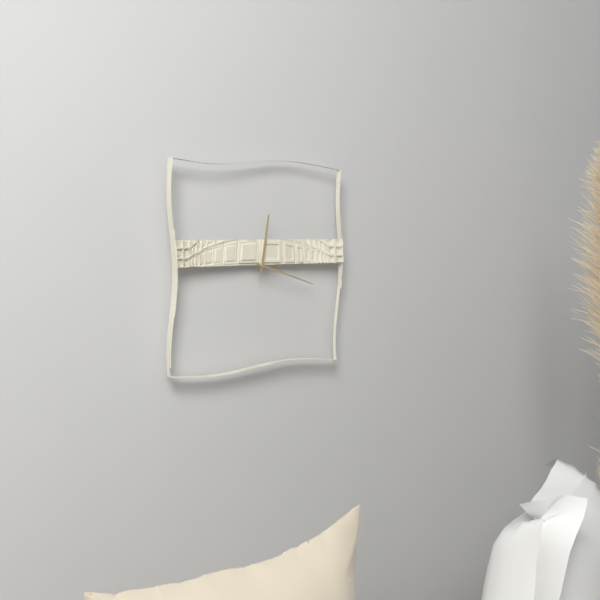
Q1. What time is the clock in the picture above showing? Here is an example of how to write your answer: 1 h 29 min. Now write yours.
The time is 12 h 18 min
